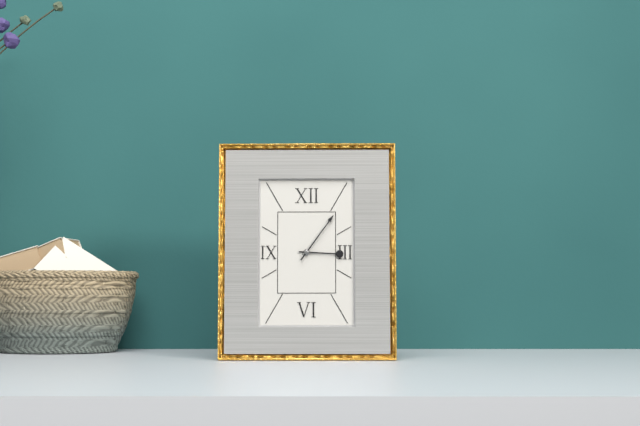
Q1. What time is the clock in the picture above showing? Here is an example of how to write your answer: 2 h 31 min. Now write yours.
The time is 3 h 06 min
